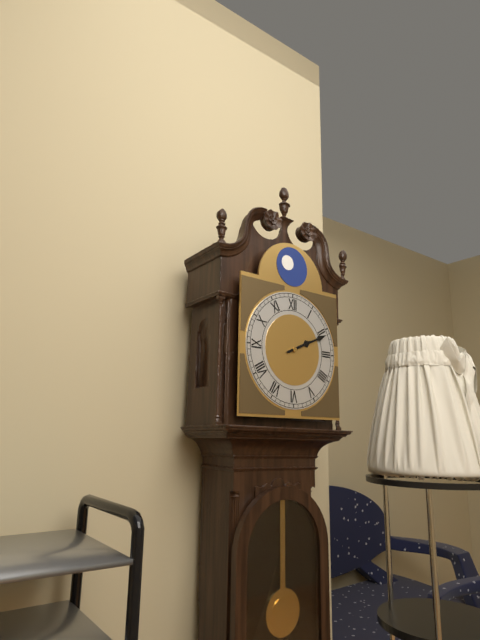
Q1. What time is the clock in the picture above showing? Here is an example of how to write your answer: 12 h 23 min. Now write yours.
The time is 2 h 11 min
